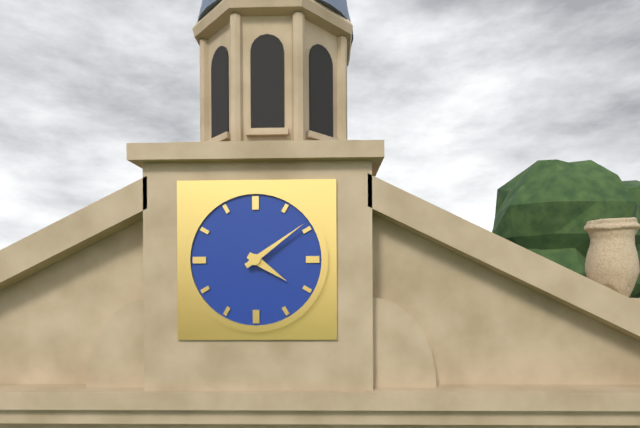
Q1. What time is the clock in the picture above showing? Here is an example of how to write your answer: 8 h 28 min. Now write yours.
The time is 4 h 09 min
